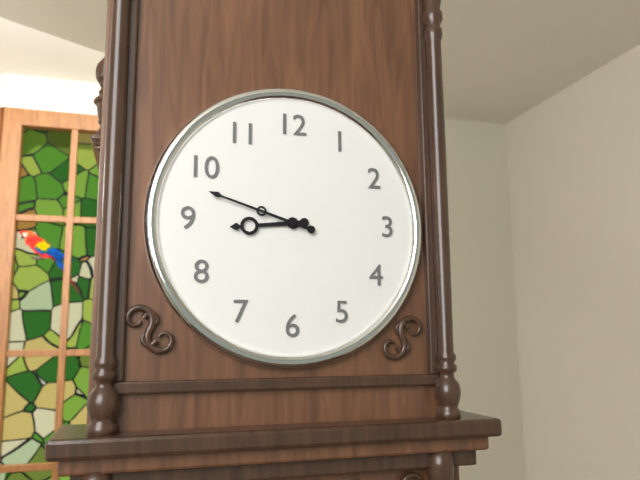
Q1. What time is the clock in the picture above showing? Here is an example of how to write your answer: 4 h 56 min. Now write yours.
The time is 8 h 48 min
